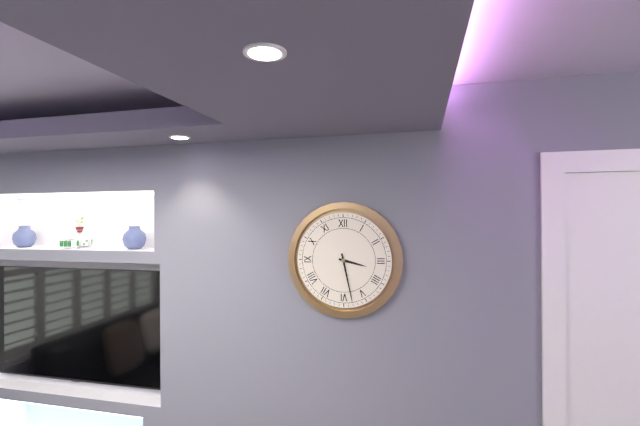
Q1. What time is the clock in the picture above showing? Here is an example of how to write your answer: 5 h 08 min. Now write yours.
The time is 3 h 28 min
